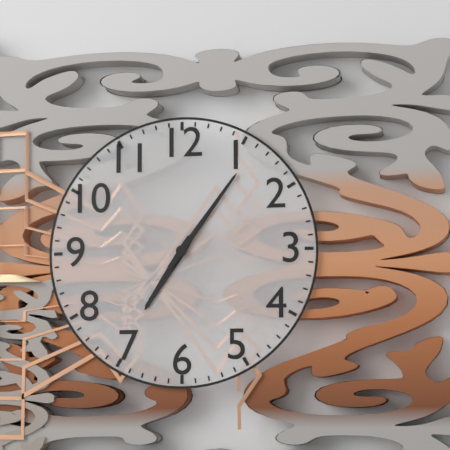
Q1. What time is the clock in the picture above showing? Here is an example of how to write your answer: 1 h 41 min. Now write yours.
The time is 7 h 06 min
